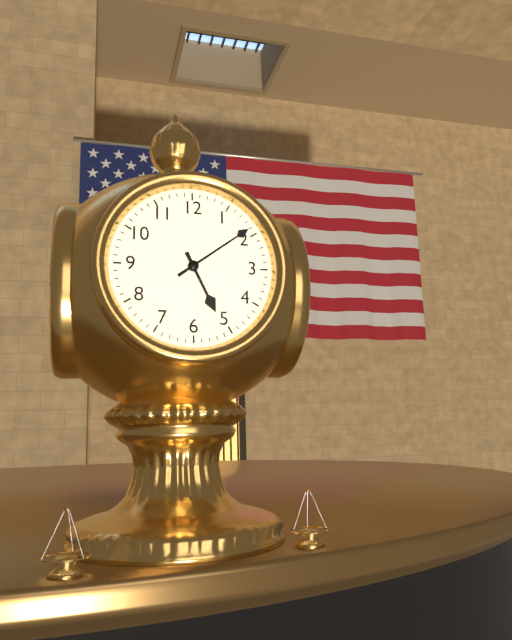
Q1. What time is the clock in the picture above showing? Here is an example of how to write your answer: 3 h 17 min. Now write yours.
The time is 5 h 09 min
